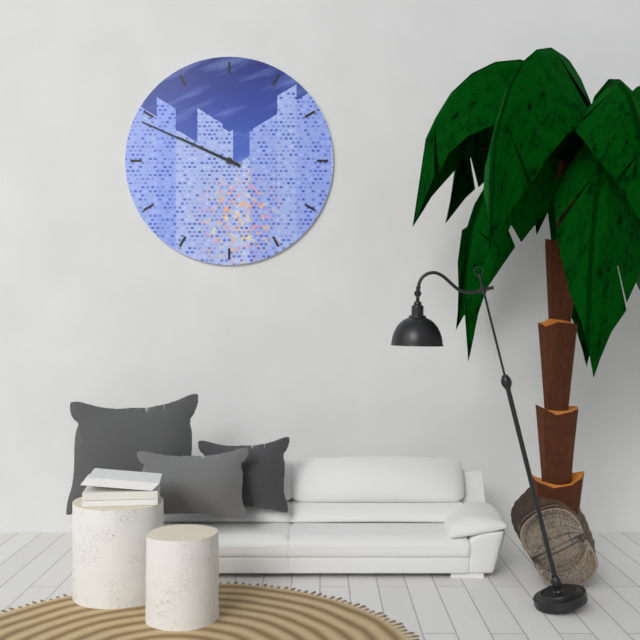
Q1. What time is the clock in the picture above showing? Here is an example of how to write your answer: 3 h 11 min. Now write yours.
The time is 9 h 49 min
